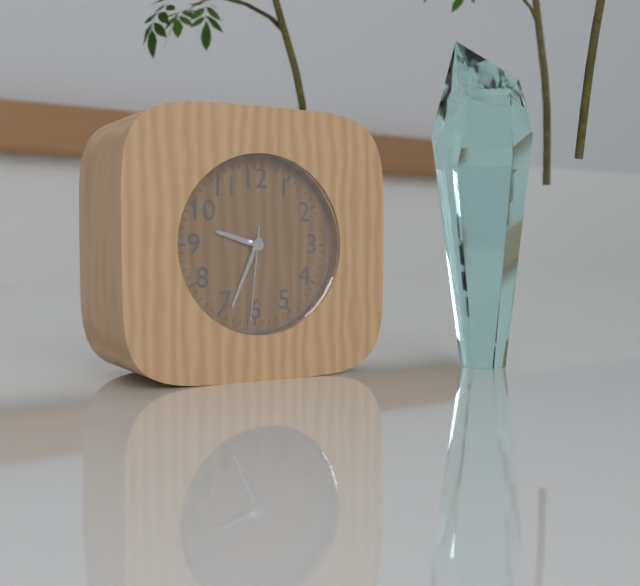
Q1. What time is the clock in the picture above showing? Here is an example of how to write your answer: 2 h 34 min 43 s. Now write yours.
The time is 9 h 34 min 31 s
